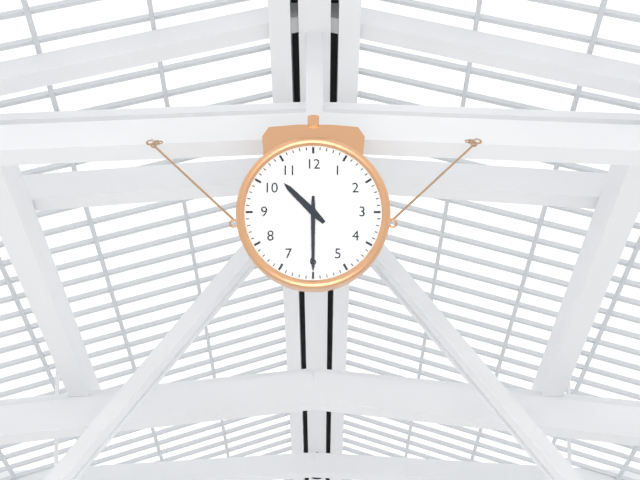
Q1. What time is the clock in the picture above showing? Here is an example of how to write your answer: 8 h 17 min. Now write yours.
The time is 10 h 30 min
